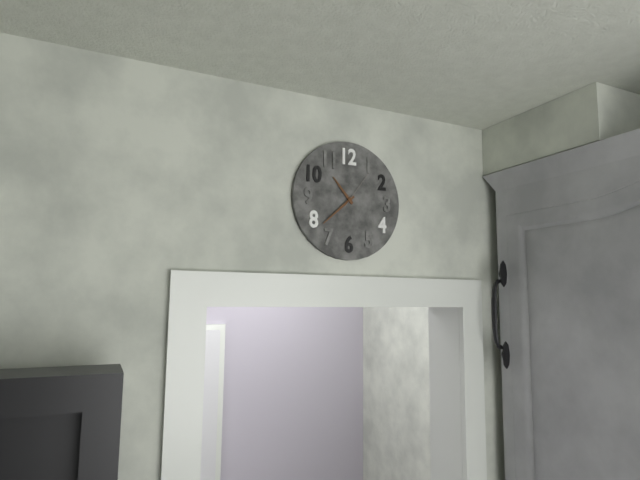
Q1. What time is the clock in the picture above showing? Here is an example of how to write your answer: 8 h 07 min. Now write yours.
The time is 10 h 38 min
